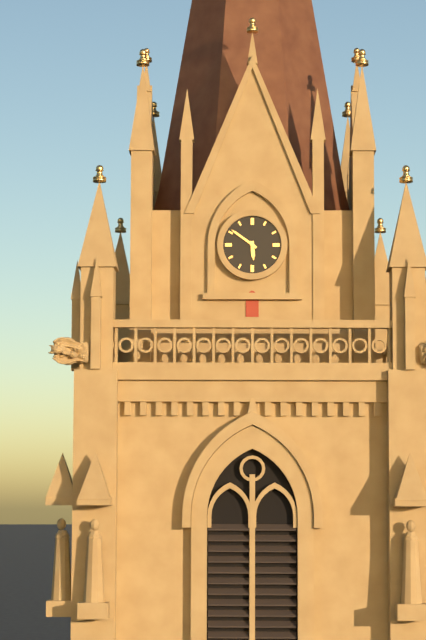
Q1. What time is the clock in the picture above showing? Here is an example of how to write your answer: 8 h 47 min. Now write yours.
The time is 5 h 51 min
